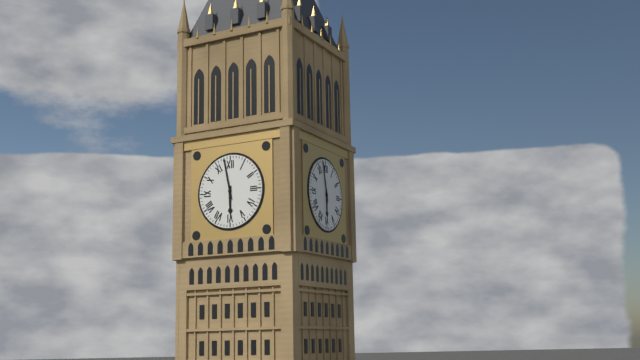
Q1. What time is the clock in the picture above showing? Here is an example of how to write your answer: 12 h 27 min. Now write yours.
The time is 5 h 58 min
